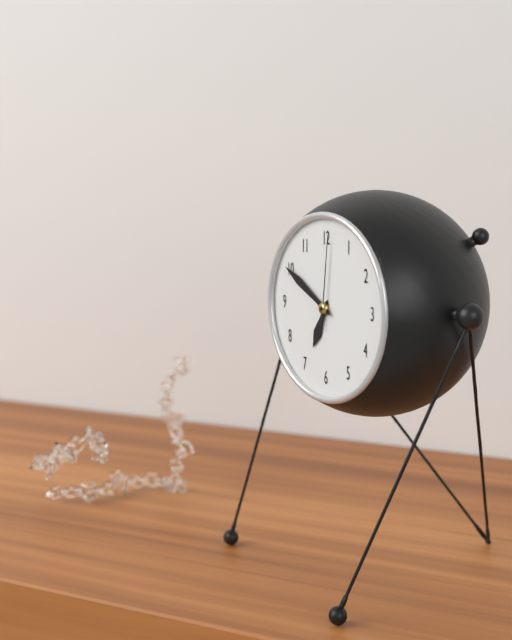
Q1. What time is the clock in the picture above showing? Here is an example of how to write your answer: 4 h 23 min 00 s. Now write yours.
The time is 6 h 50 min 01 s
